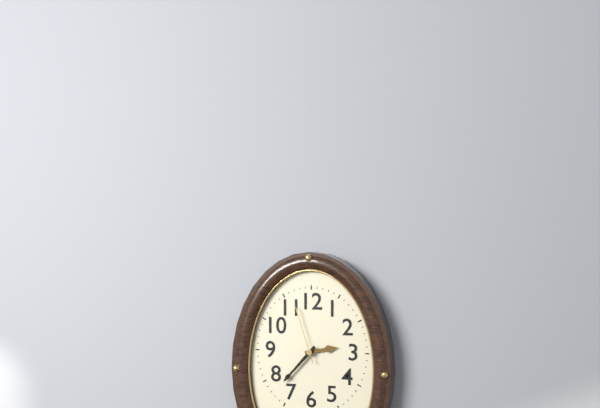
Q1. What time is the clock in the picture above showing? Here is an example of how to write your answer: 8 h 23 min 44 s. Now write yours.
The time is 2 h 37 min 57 s
